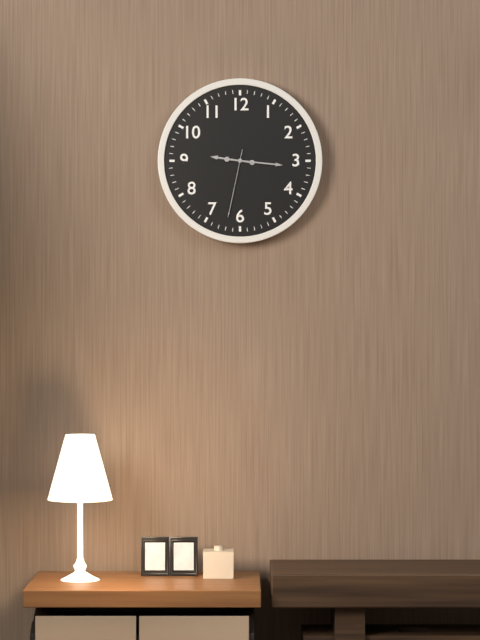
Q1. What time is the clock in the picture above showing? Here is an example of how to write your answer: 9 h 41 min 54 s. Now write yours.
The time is 9 h 16 min 32 s
